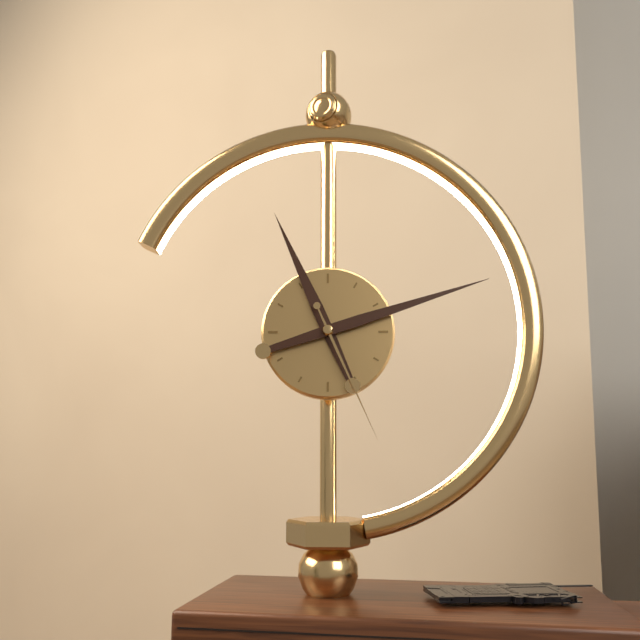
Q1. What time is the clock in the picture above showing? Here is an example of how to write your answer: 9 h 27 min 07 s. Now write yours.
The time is 11 h 12 min 26 s
